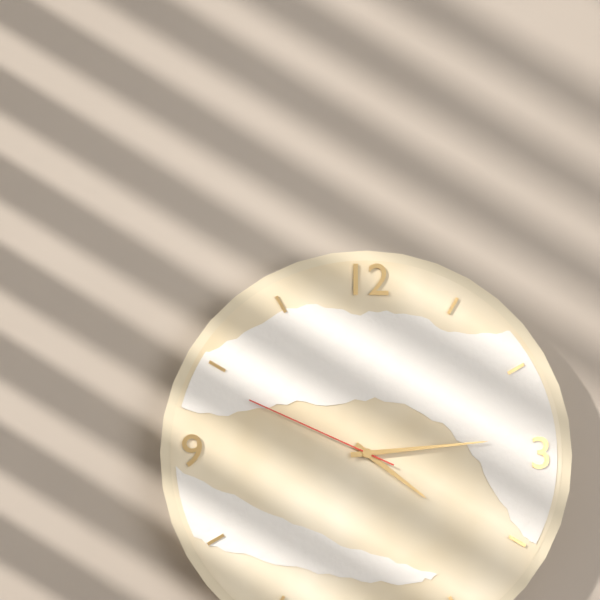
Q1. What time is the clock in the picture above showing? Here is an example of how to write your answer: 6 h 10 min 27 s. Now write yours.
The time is 4 h 14 min 49 s
